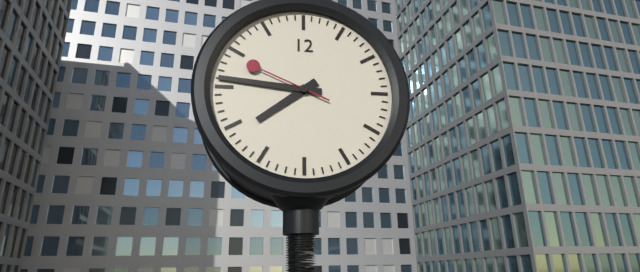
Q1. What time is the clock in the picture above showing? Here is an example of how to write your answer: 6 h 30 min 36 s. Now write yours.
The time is 7 h 46 min 49 s
